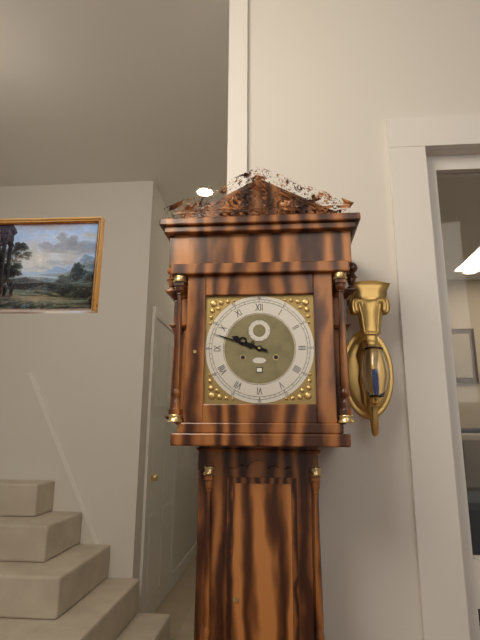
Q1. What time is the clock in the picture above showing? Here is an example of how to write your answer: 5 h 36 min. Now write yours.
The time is 9 h 48 min
